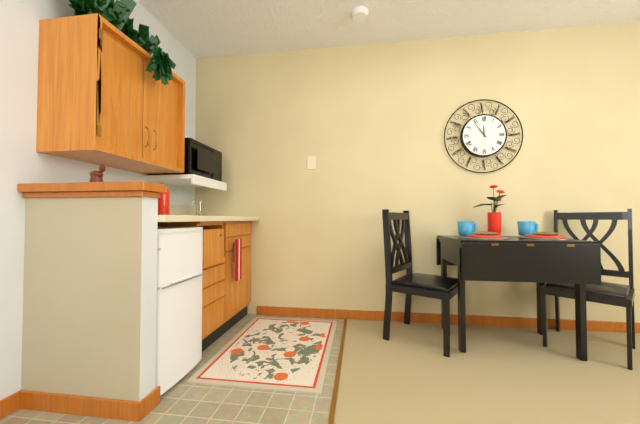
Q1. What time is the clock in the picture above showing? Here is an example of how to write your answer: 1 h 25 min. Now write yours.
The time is 11 h 54 min
